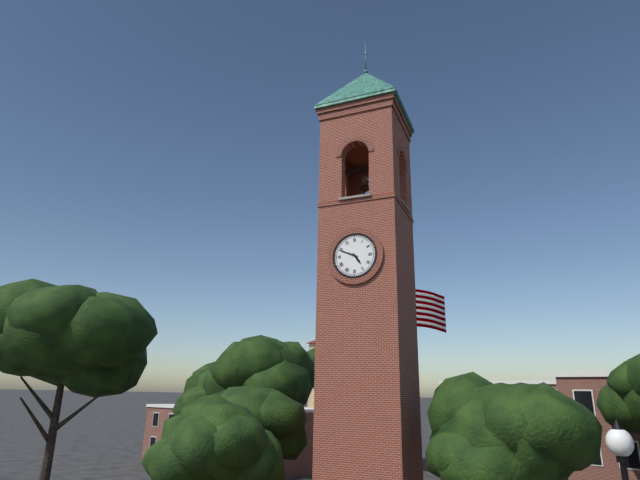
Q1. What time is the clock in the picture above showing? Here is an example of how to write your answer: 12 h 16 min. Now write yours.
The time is 4 h 49 min
